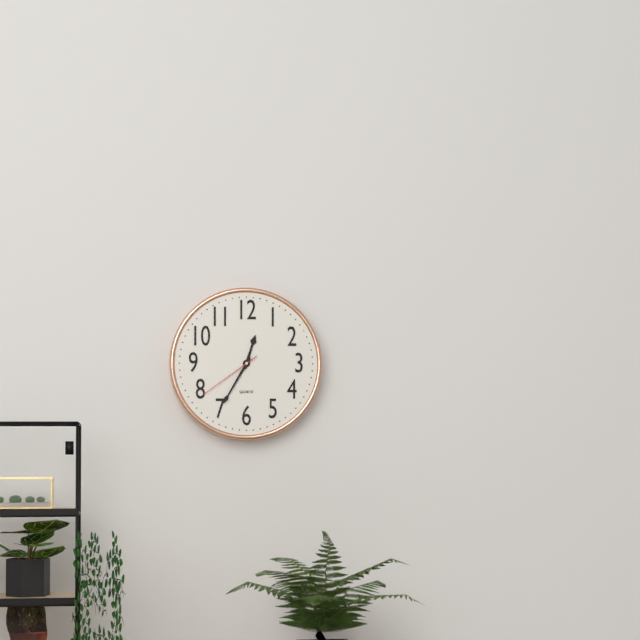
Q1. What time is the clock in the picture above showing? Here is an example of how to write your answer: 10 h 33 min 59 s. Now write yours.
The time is 12 h 35 min 39 s
